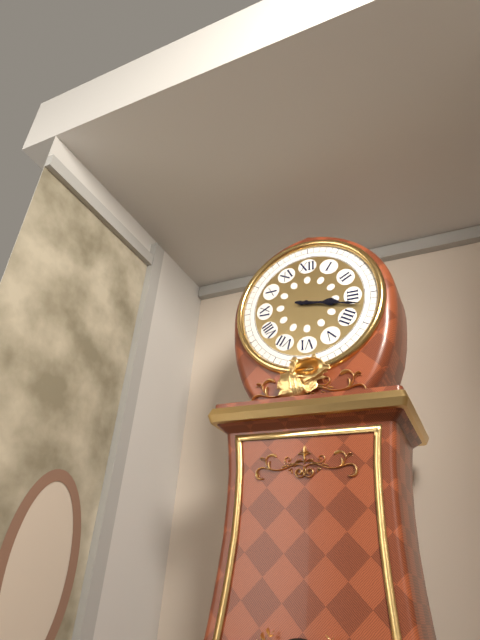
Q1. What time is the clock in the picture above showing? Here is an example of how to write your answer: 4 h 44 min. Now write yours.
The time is 3 h 17 min
